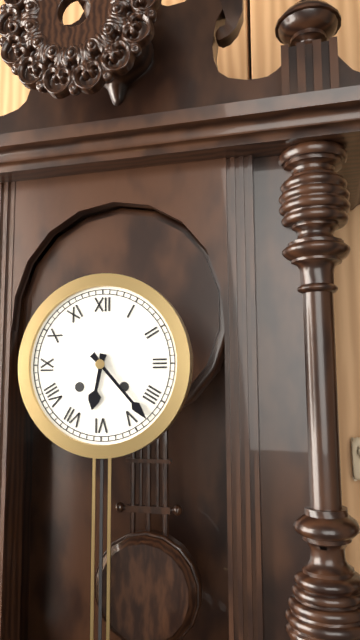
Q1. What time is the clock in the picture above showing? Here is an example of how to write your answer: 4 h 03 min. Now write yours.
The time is 6 h 23 min
